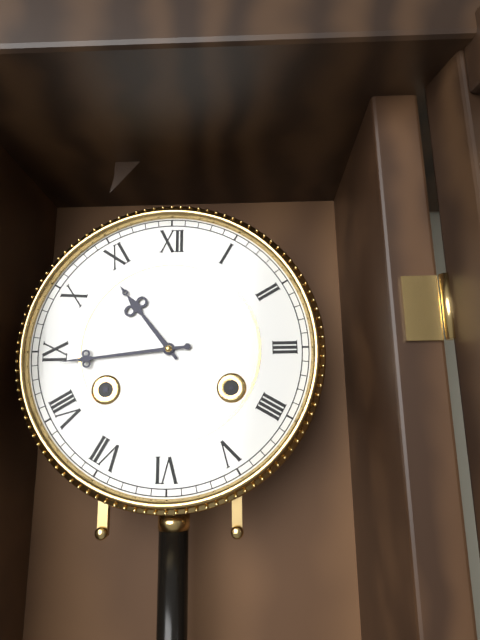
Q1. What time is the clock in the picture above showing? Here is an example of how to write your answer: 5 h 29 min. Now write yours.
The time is 10 h 44 min
